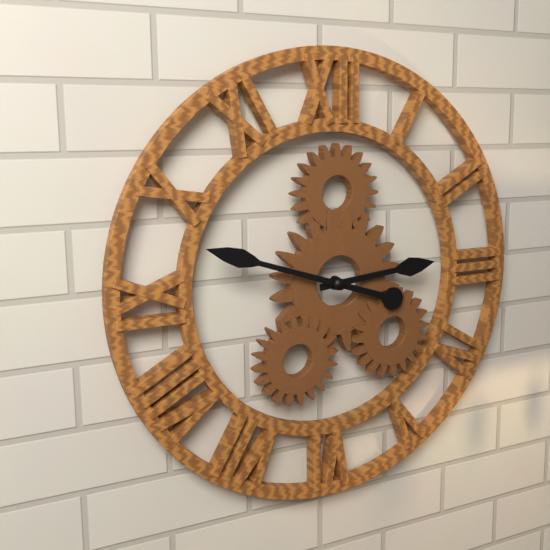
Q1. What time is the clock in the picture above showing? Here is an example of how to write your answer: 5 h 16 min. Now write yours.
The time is 2 h 48 min
